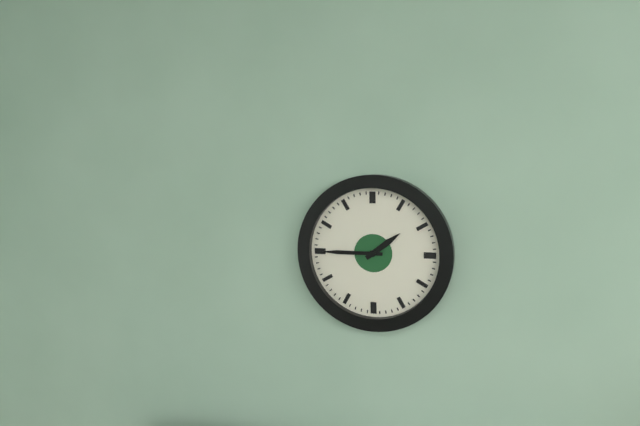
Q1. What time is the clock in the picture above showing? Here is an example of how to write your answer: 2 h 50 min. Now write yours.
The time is 1 h 45 min
